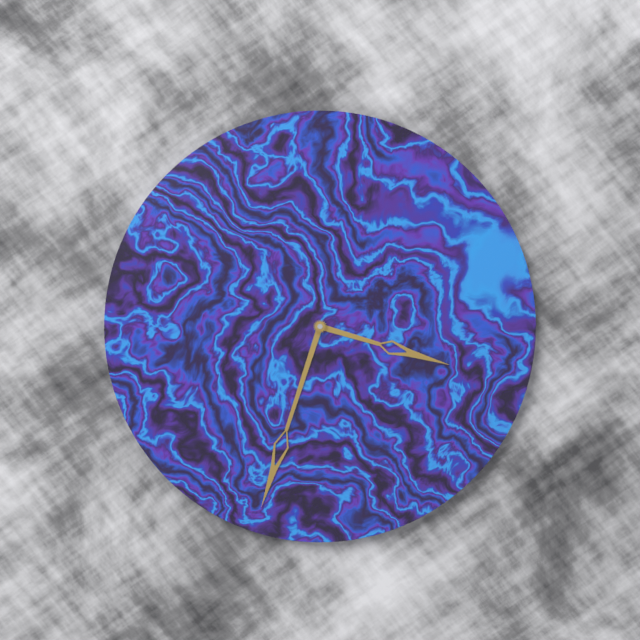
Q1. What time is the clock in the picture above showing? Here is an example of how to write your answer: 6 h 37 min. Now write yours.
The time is 3 h 33 min
